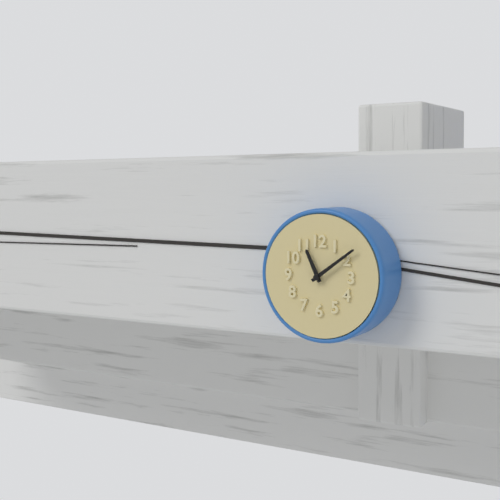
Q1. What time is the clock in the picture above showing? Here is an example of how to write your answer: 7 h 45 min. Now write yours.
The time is 11 h 09 min
